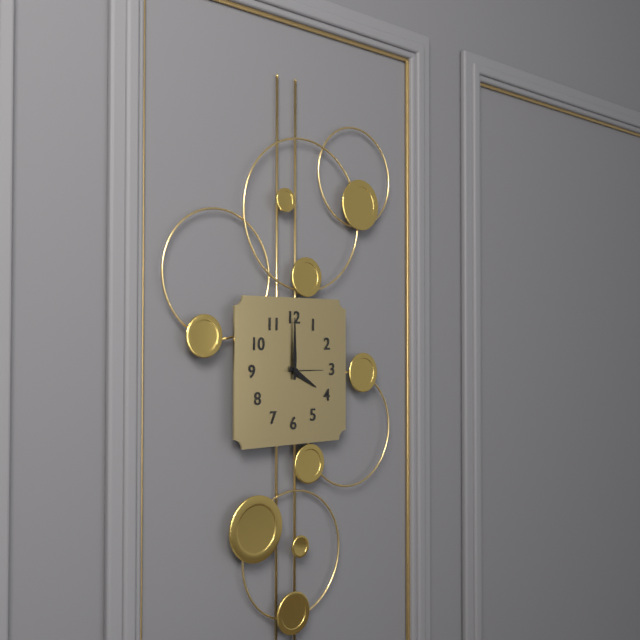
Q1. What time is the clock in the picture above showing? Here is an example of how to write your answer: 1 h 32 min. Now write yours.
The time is 4 h 00 min
